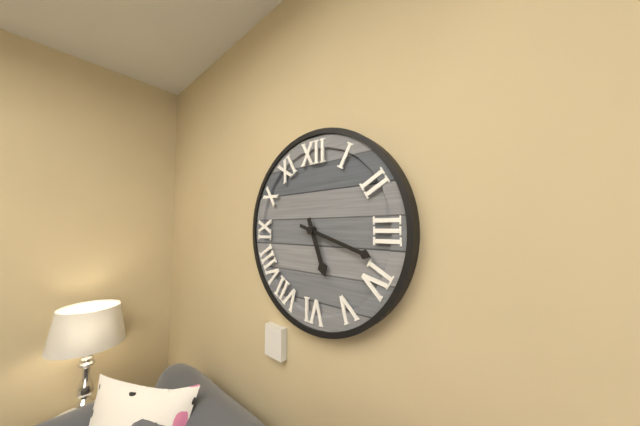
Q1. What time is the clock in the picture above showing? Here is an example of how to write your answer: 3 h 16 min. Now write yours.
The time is 5 h 18 min
